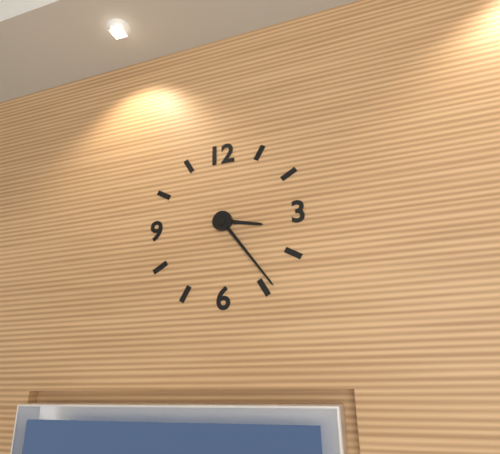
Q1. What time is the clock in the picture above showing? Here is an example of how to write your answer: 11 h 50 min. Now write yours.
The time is 3 h 24 min
